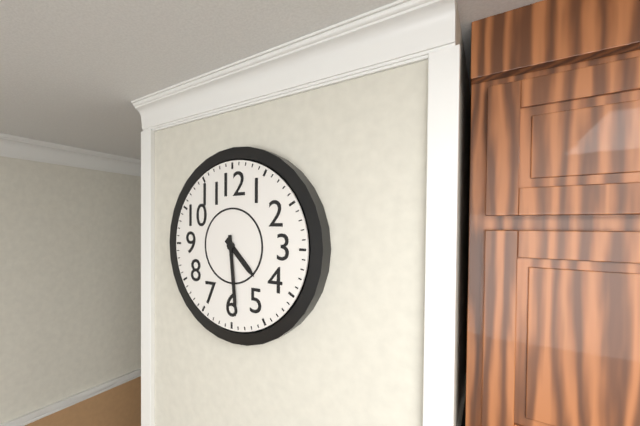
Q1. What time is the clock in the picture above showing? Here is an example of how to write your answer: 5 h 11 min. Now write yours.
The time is 4 h 29 min
